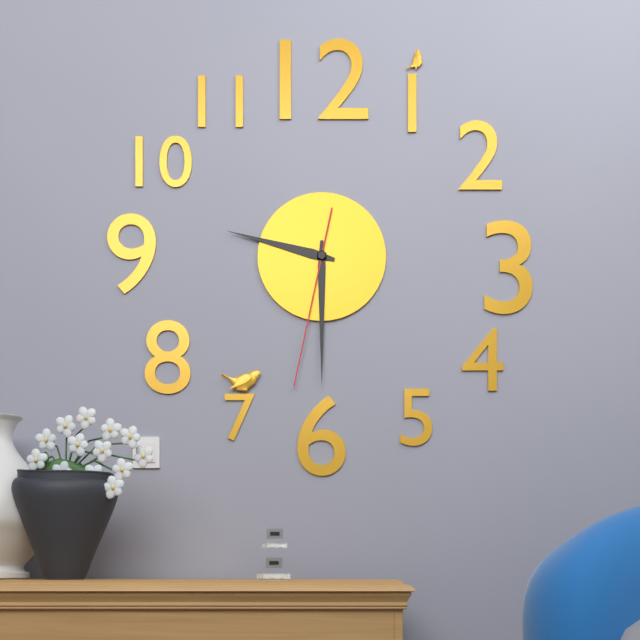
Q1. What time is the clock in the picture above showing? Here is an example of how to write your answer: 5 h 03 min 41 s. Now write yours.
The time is 9 h 30 min 32 s
